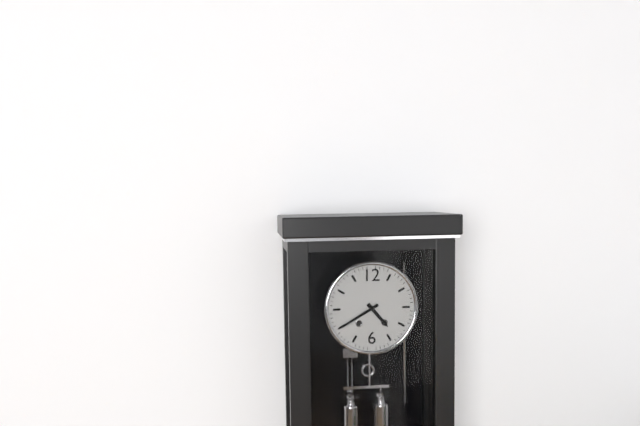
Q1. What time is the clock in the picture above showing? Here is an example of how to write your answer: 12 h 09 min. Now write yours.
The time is 4 h 40 min
